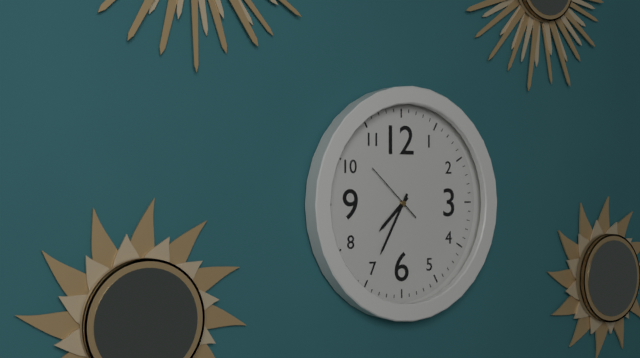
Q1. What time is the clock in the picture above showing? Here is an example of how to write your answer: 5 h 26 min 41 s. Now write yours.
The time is 7 h 35 min 52 s
